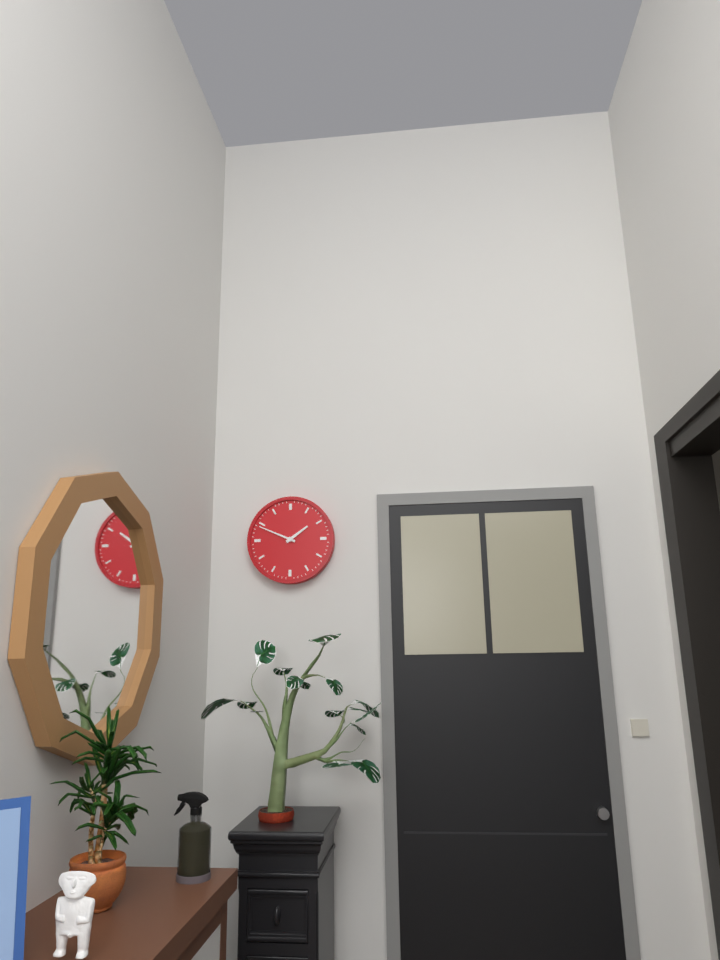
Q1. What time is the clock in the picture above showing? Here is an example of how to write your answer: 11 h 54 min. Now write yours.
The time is 1 h 49 min
